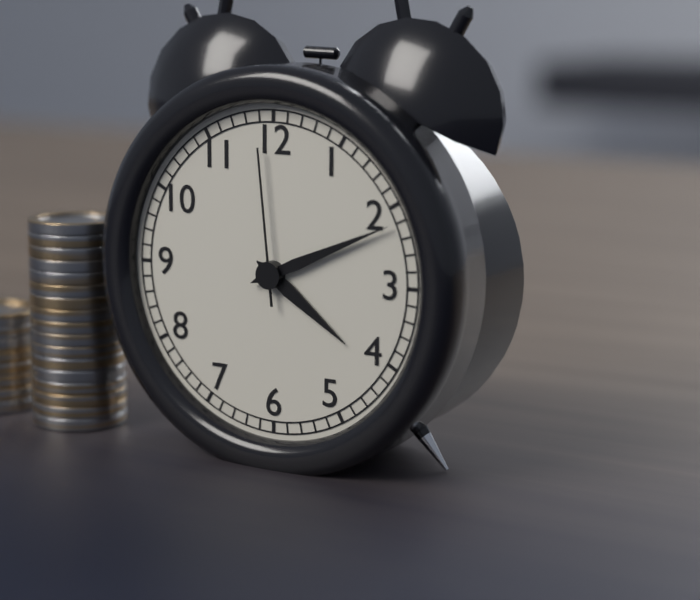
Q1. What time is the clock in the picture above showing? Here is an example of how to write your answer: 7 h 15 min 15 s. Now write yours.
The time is 4 h 11 min 59 s
